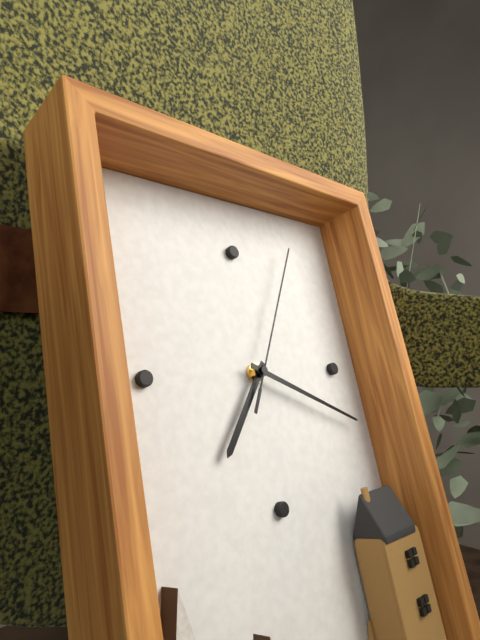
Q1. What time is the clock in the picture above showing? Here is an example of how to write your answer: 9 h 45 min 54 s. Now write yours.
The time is 7 h 19 min 05 s
